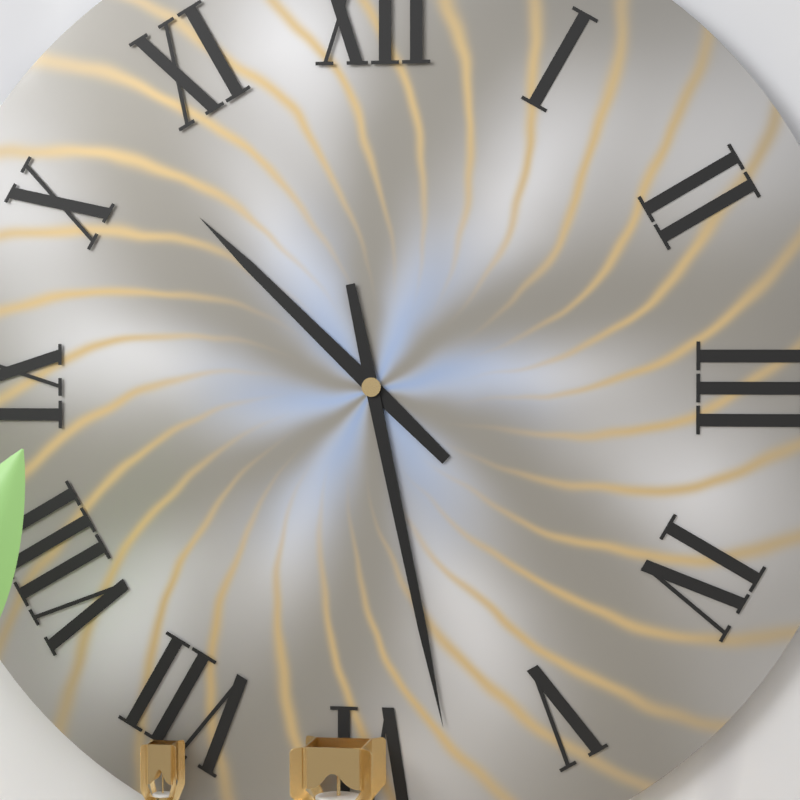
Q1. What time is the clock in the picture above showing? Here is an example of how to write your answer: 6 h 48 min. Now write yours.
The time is 10 h 28 min
